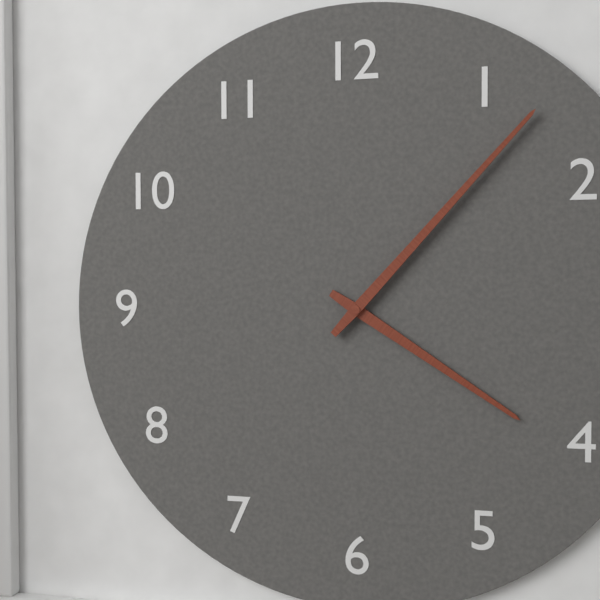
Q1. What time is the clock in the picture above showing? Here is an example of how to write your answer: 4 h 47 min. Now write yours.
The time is 4 h 07 min
